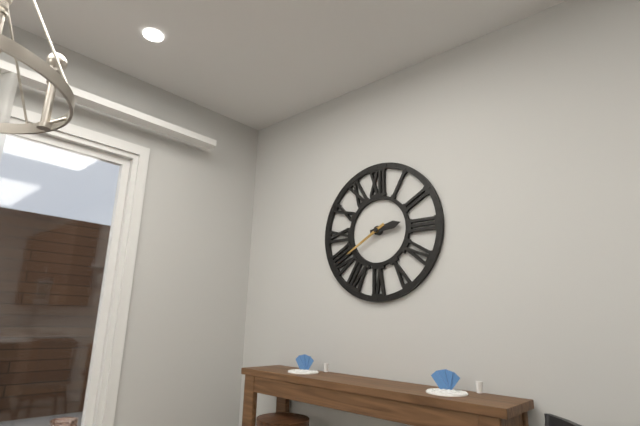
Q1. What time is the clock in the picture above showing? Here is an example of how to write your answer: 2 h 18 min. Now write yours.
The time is 2 h 40 min
